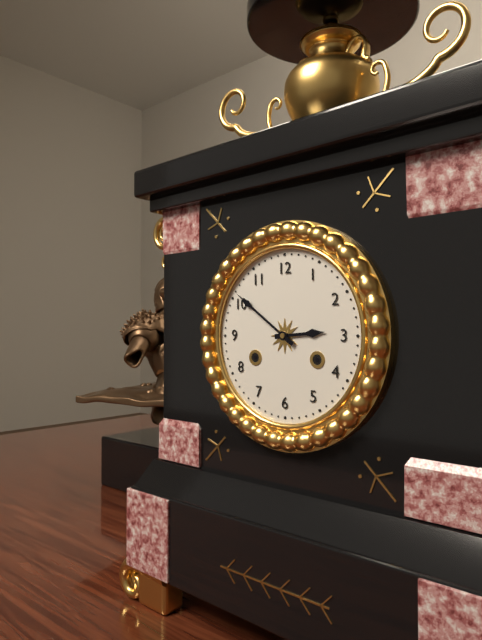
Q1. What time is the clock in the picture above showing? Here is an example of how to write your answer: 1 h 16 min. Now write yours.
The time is 2 h 51 min
